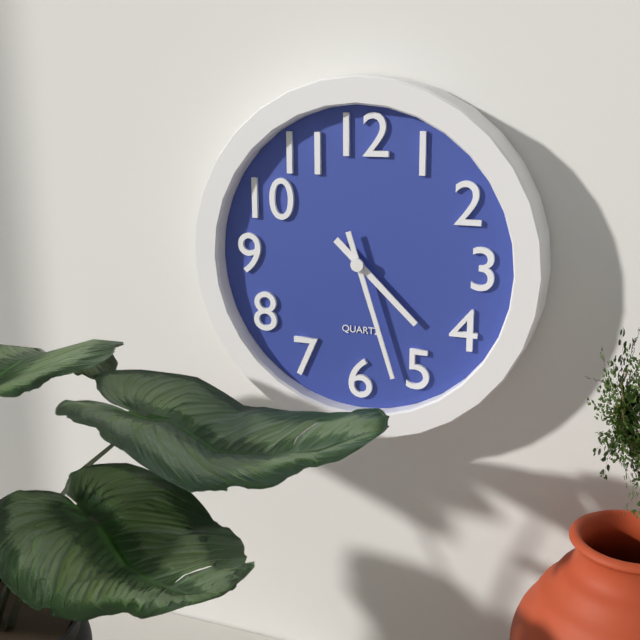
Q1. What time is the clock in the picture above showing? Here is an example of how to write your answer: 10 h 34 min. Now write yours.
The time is 4 h 27 min
